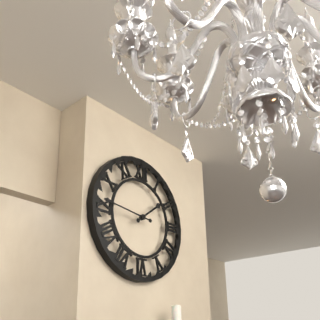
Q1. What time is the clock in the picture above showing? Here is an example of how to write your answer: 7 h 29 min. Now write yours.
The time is 1 h 46 min
